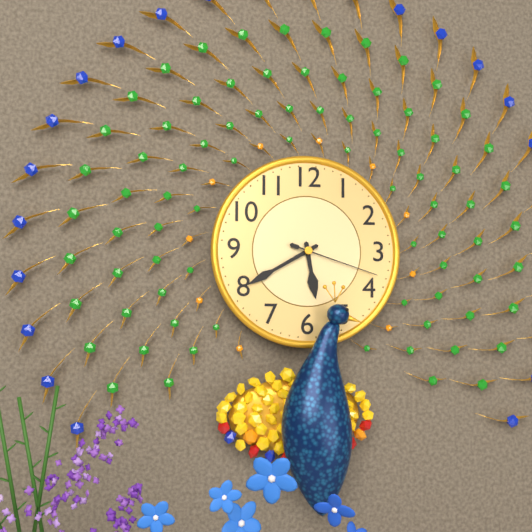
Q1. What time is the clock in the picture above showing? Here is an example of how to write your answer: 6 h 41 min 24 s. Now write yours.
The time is 5 h 40 min 18 s
